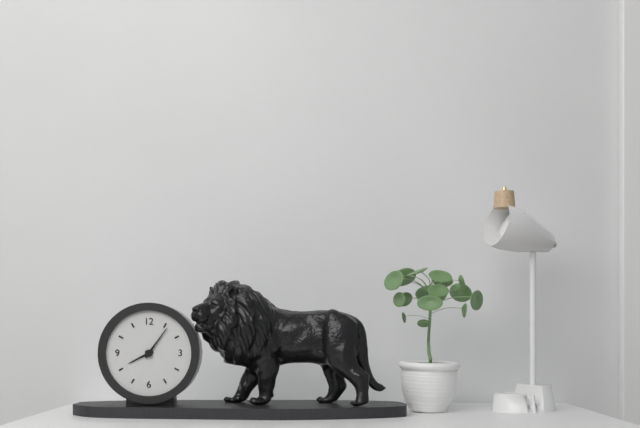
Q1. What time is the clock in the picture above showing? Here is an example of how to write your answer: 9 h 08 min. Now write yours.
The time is 8 h 06 min
